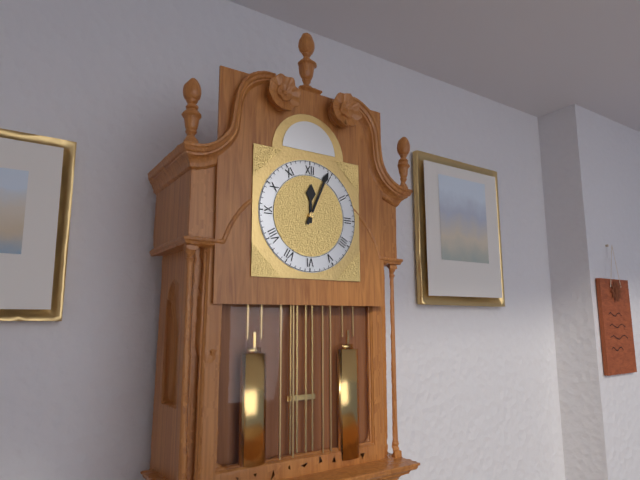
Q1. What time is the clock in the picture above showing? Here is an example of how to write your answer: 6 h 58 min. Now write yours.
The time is 12 h 04 min
